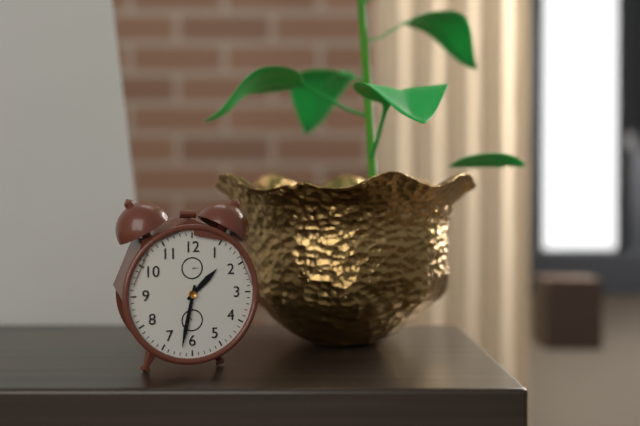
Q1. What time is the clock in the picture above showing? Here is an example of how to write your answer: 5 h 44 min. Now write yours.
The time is 1 h 32 min
